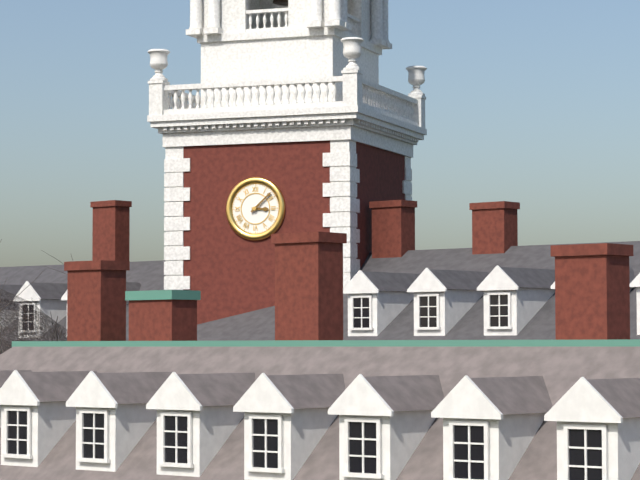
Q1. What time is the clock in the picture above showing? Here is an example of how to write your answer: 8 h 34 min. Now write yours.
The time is 3 h 08 min
